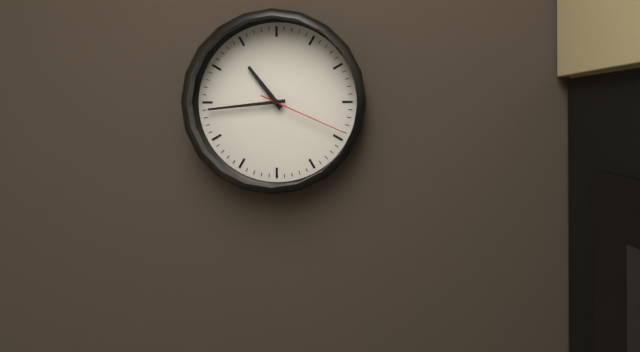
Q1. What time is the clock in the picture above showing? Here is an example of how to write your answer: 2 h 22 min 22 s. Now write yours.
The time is 10 h 44 min 19 s
